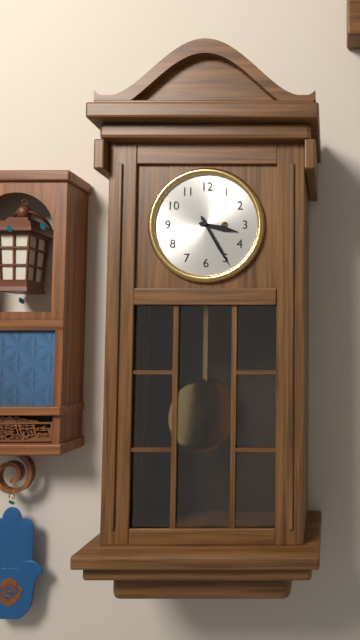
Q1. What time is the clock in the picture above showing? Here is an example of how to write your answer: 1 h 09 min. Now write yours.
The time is 3 h 25 min
